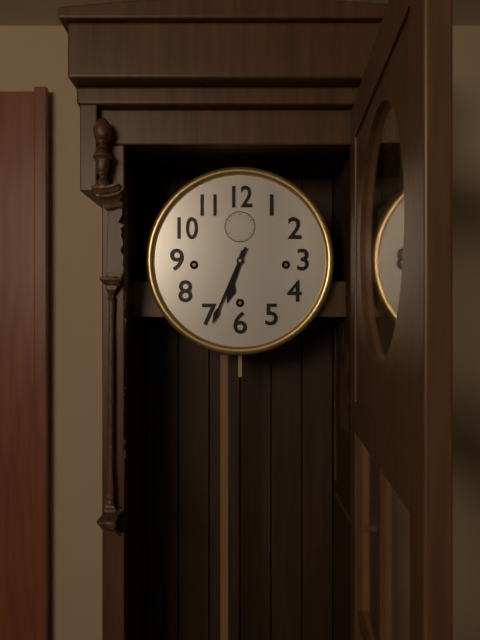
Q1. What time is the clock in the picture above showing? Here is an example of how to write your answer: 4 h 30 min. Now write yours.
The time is 6 h 34 min
